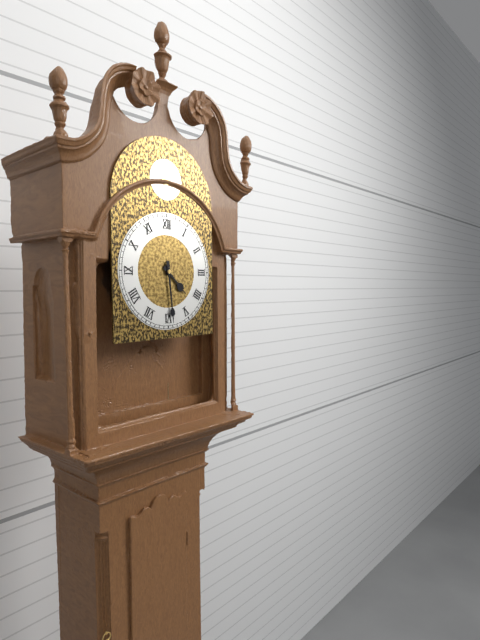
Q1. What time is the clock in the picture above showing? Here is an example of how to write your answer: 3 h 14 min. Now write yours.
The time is 4 h 29 min
